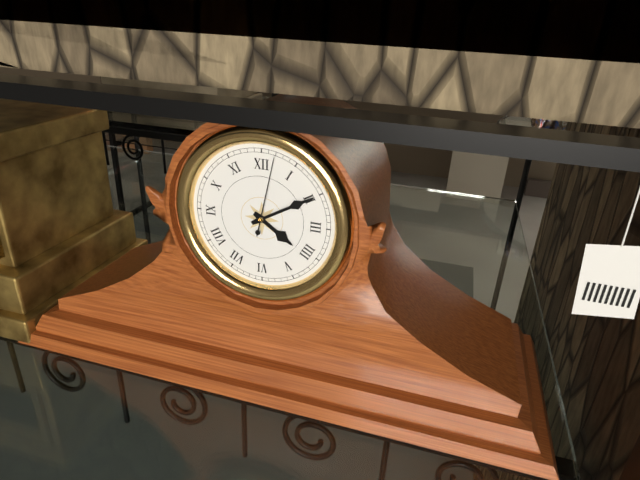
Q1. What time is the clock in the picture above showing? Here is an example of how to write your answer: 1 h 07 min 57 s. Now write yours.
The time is 4 h 10 min 02 s
